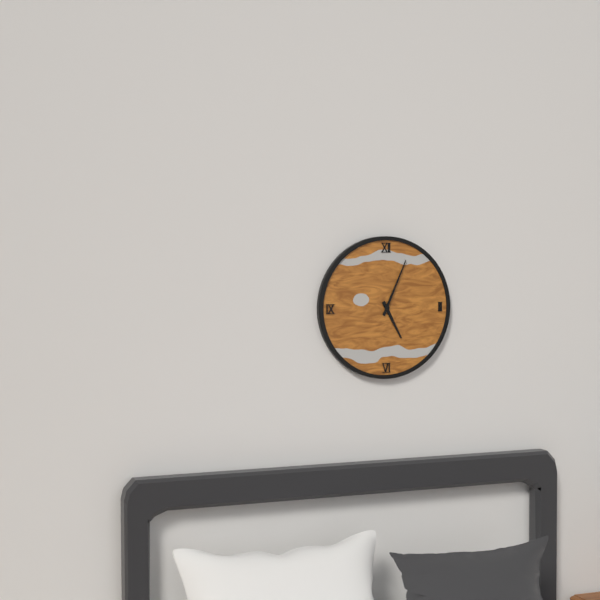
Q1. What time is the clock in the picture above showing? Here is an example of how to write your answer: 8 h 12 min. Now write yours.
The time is 5 h 04 min
